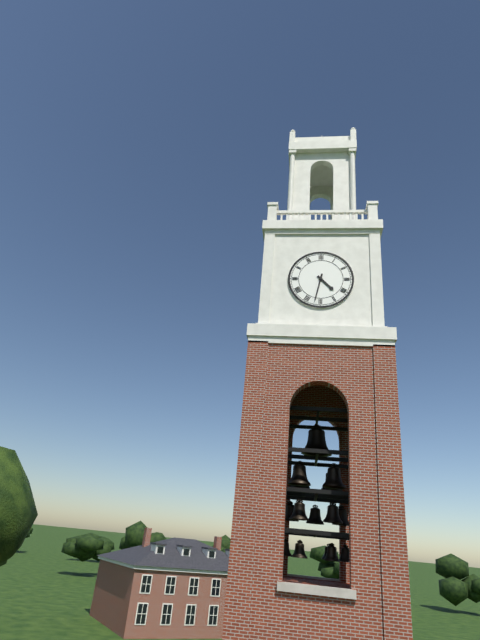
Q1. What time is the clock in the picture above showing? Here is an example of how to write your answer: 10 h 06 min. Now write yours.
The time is 4 h 32 min
